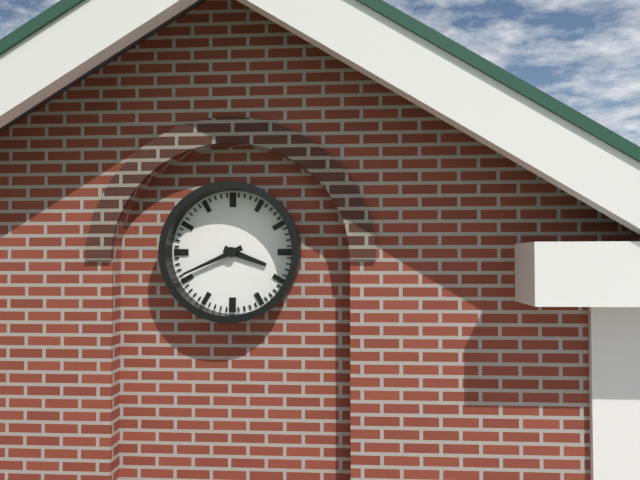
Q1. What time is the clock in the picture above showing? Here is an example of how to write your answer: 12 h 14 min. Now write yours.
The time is 3 h 41 min
